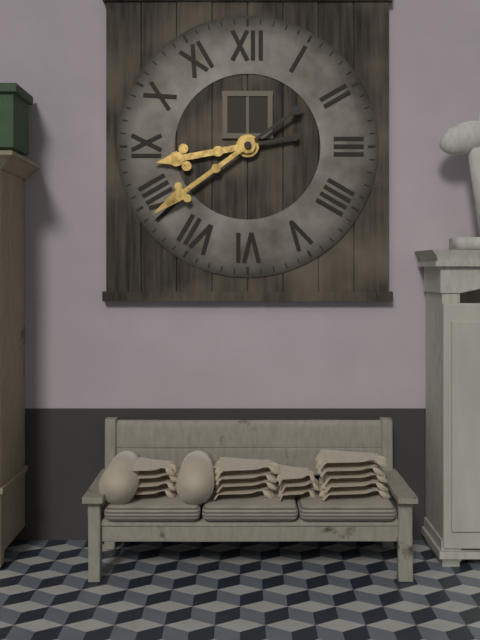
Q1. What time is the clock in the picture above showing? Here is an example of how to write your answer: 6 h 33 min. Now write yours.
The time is 8 h 39 min
